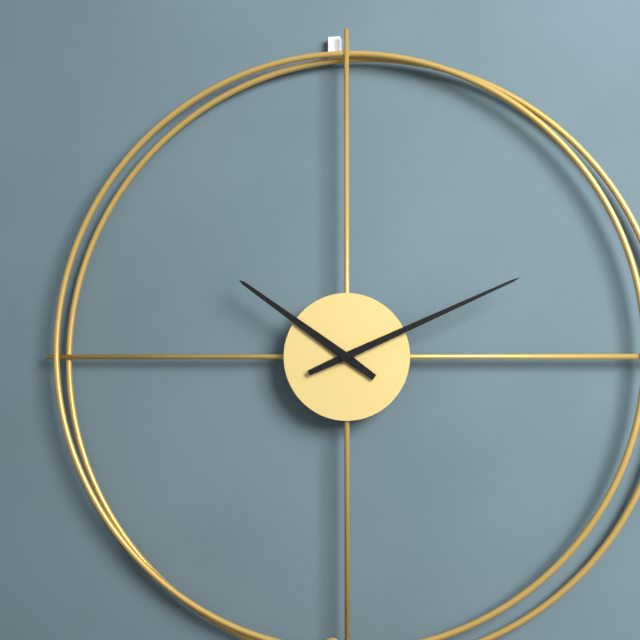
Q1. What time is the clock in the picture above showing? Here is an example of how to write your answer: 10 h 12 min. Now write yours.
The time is 10 h 11 min
